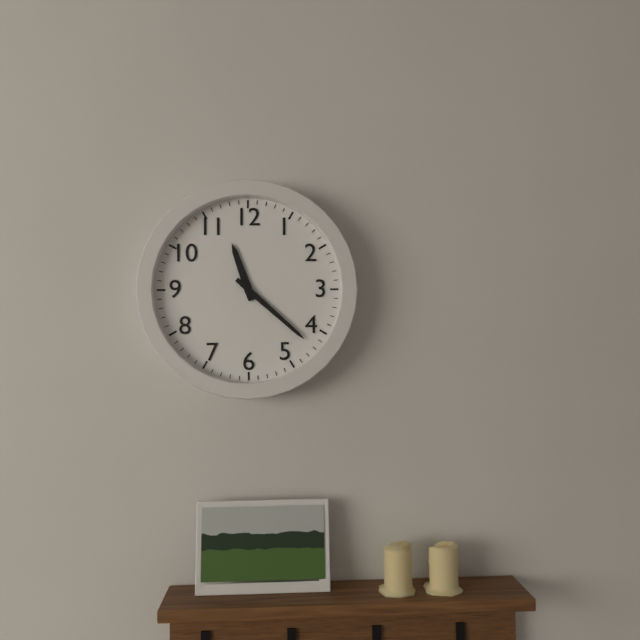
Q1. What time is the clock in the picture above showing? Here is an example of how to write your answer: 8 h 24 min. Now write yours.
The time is 11 h 22 min
